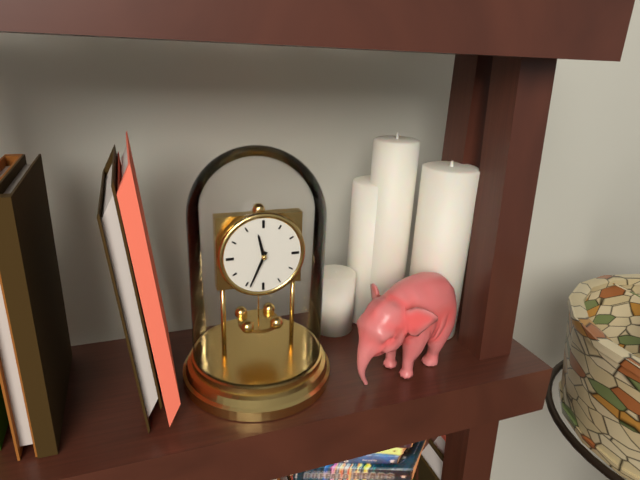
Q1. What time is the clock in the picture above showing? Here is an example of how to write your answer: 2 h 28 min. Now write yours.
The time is 11 h 34 min
